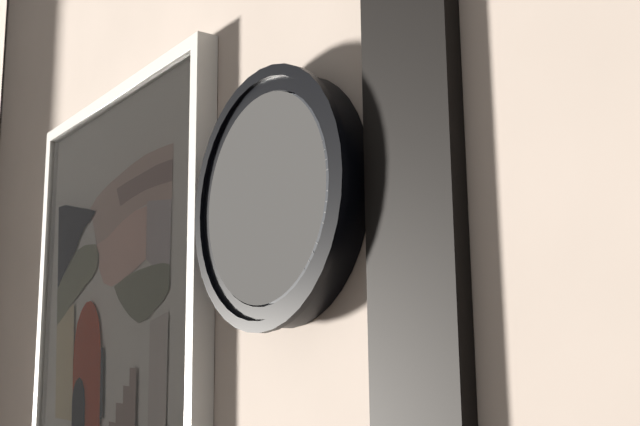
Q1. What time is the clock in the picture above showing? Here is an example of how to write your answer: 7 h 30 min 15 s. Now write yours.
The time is 7 h 31 min 30 s
